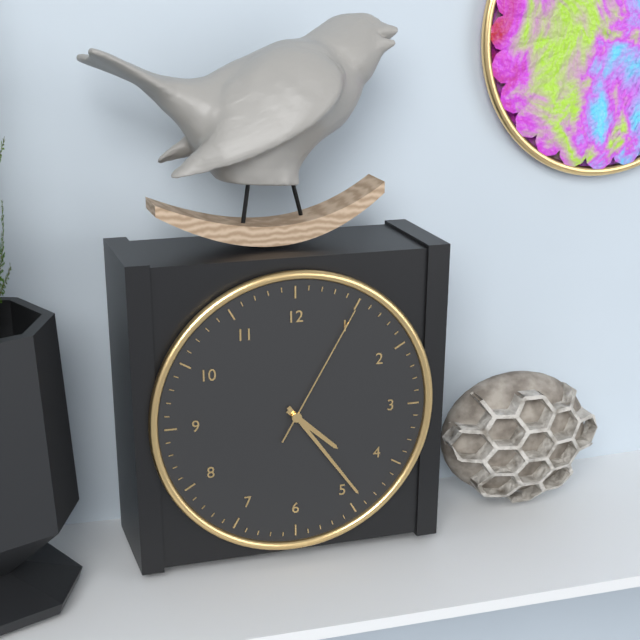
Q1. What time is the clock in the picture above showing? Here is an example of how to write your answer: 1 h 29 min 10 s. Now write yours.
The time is 4 h 24 min 05 s
